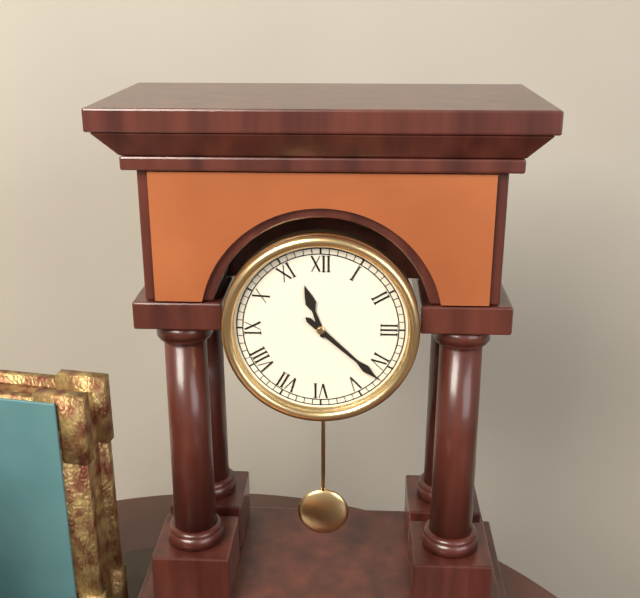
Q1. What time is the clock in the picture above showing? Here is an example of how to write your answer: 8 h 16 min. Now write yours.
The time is 11 h 22 min
